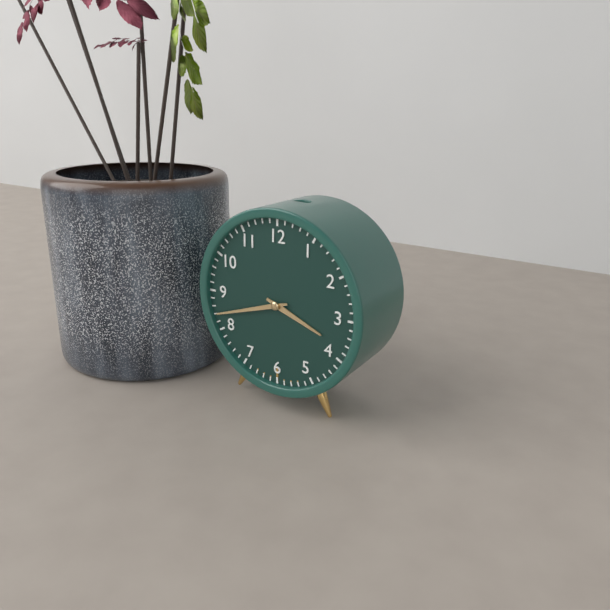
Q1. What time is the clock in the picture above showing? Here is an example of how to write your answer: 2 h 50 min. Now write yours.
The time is 3 h 42 min
